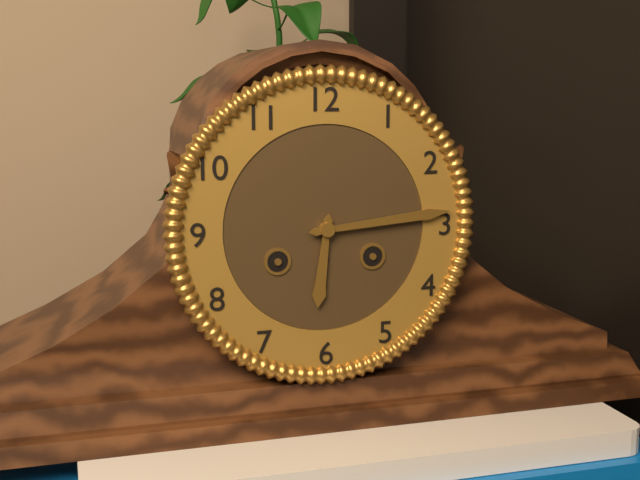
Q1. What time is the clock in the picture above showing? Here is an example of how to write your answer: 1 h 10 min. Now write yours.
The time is 6 h 14 min
